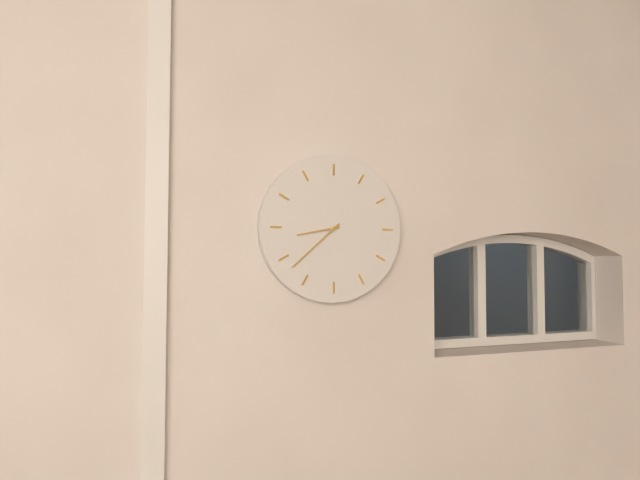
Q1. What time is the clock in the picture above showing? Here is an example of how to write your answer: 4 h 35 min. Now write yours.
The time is 8 h 38 min
